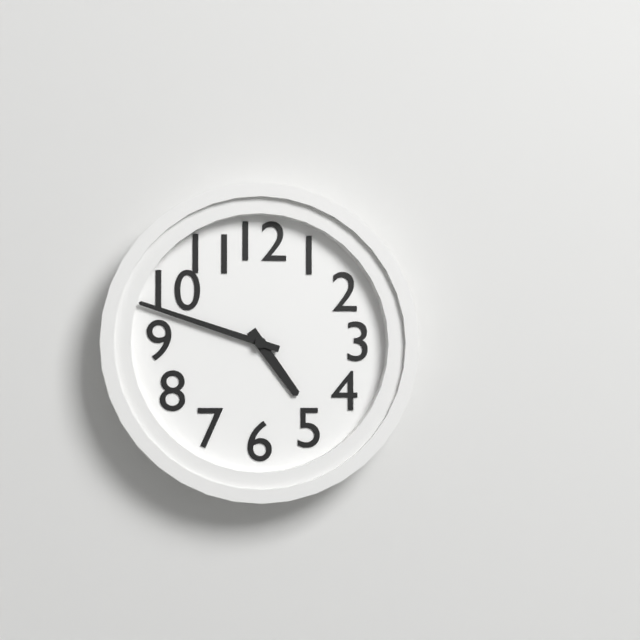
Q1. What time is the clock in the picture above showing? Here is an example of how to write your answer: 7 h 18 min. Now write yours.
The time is 4 h 48 min
